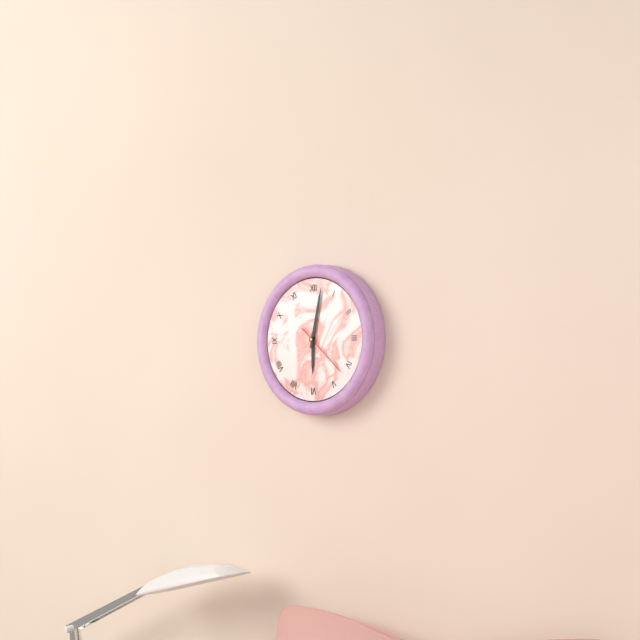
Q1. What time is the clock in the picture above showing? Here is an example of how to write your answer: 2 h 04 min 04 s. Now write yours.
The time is 6 h 02 min 22 s
